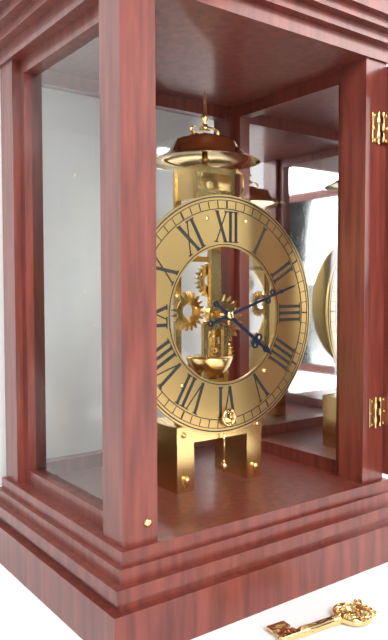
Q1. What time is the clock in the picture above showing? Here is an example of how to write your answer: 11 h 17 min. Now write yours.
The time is 4 h 12 min
